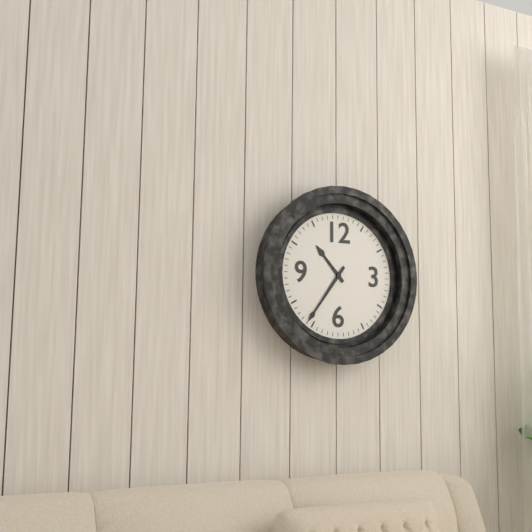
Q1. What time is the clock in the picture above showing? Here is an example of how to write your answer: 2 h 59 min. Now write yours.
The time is 10 h 36 min
